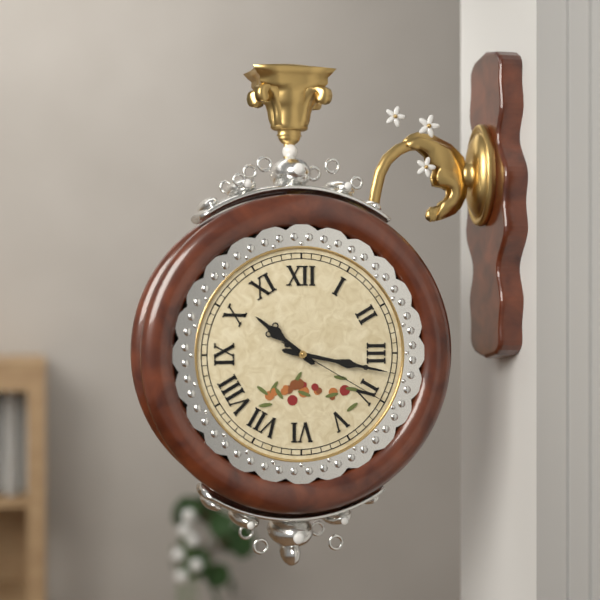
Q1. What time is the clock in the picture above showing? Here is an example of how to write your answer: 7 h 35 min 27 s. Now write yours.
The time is 10 h 17 min 20 s
